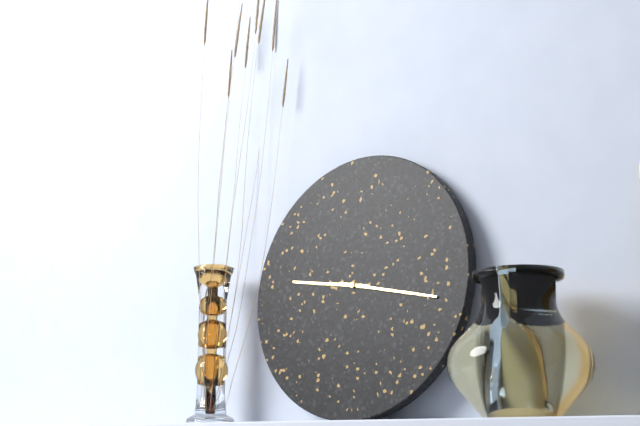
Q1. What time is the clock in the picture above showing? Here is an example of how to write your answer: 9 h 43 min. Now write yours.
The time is 9 h 17 min
